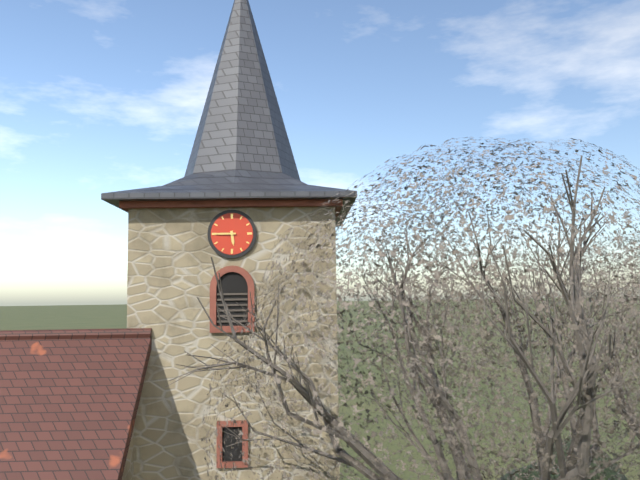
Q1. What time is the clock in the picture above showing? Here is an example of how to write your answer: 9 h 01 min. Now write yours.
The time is 5 h 45 min
